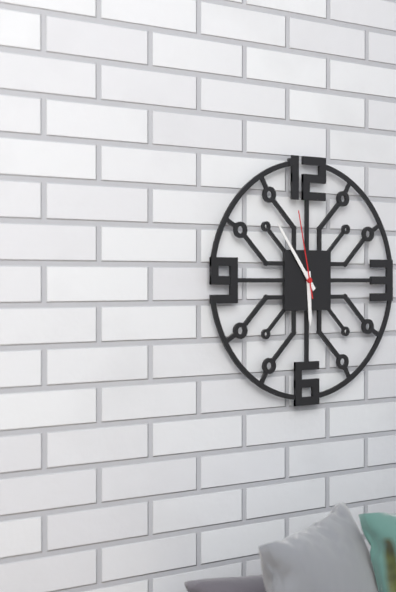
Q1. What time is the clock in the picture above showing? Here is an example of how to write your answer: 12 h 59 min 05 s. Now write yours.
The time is 5 h 54 min 58 s
